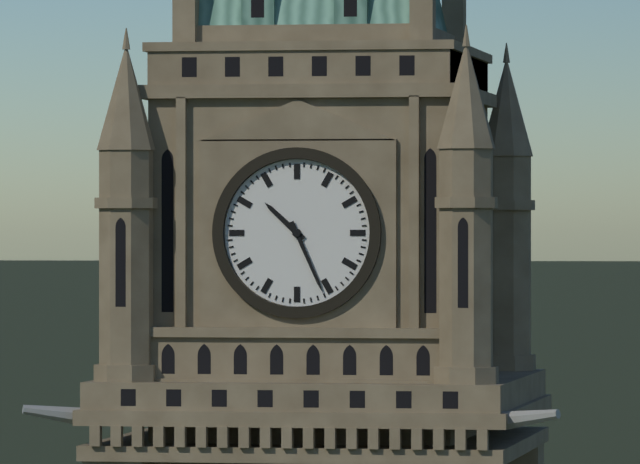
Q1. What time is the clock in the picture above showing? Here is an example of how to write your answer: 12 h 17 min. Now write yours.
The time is 10 h 26 min
